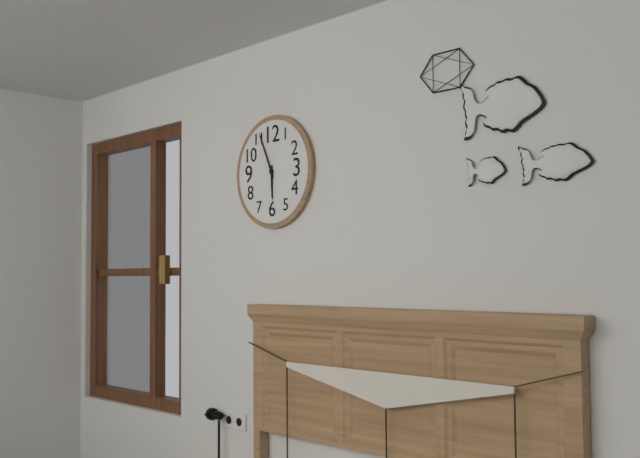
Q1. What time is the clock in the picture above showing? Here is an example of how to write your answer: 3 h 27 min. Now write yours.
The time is 5 h 56 min
